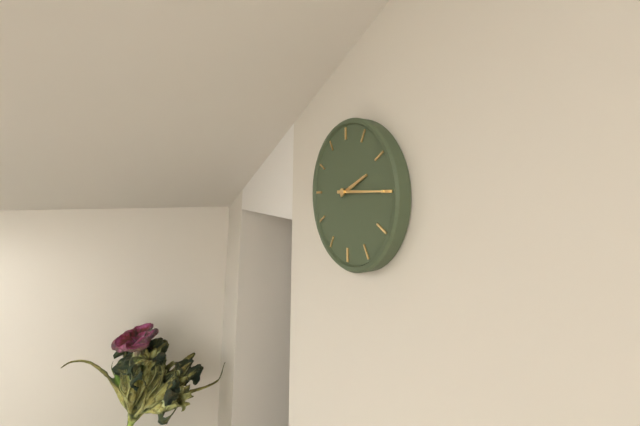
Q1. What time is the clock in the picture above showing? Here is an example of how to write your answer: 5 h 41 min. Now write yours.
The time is 2 h 15 min
